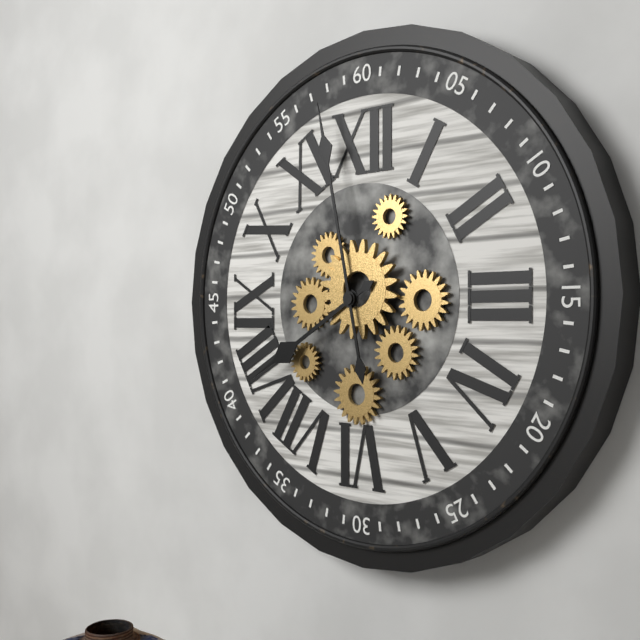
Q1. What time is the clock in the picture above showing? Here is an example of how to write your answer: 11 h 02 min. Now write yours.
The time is 7 h 58 min
